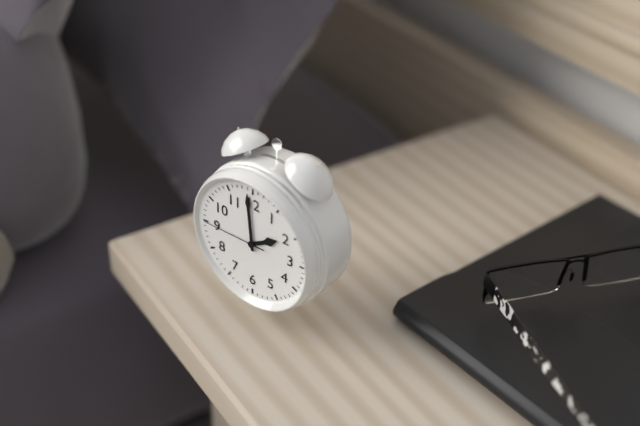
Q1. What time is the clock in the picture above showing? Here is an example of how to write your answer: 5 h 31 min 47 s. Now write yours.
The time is 1 h 59 min 45 s
